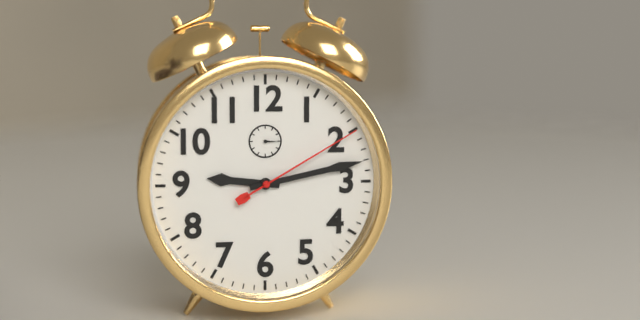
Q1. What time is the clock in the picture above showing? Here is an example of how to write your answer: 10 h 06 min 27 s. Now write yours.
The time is 9 h 13 min 10 s
